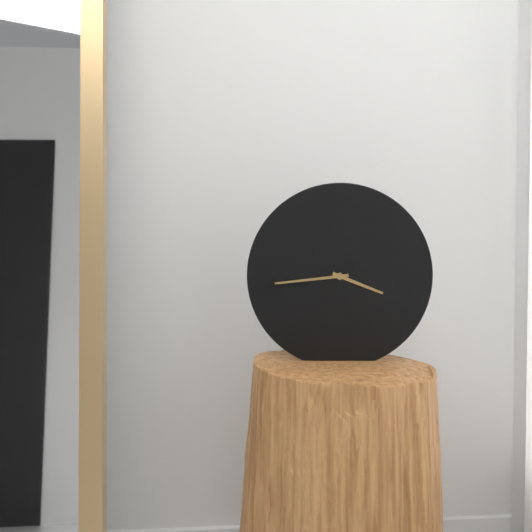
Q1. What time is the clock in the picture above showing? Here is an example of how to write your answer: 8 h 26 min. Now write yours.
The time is 3 h 44 min
